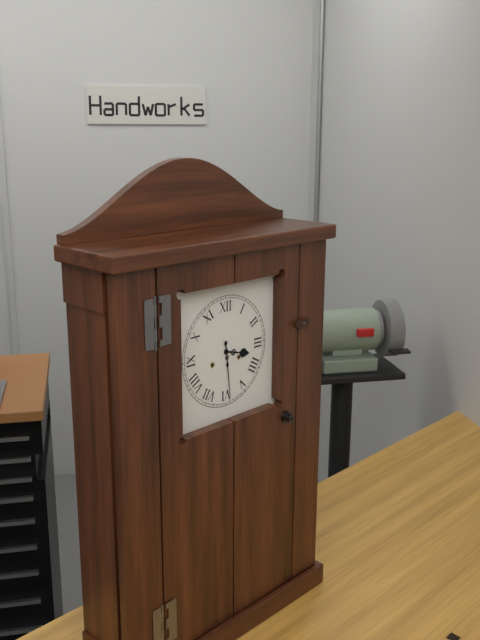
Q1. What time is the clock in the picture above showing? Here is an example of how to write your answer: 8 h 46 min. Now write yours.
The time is 3 h 29 min
